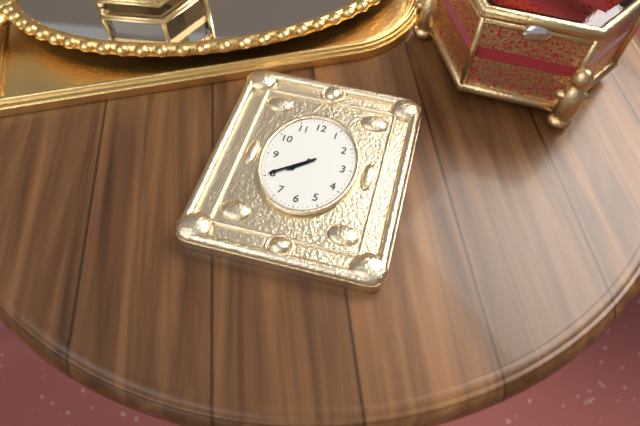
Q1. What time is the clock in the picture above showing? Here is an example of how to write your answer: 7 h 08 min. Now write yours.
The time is 7 h 39 min
